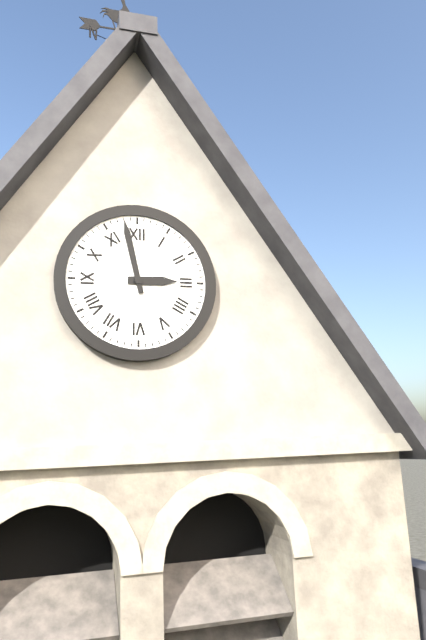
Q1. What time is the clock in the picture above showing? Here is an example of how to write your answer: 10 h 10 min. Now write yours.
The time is 2 h 58 min
